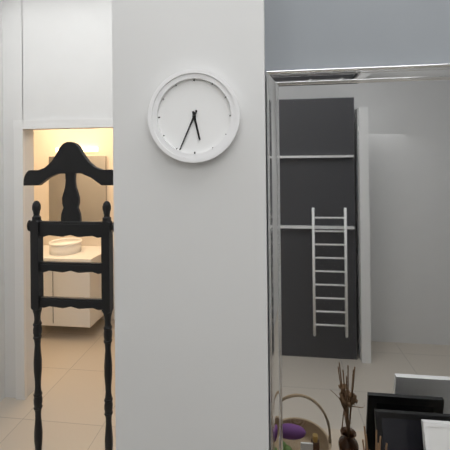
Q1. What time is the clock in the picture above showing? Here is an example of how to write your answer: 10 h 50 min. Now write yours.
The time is 5 h 34 min
